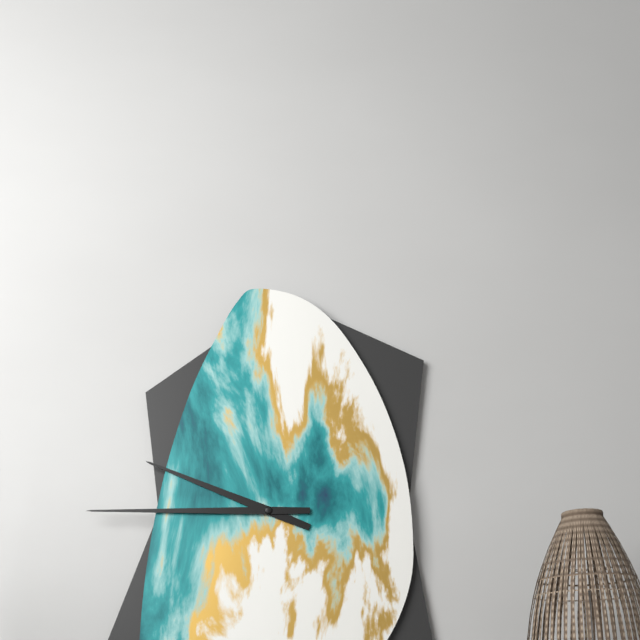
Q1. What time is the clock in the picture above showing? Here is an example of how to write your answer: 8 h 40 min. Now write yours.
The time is 9 h 45 min
